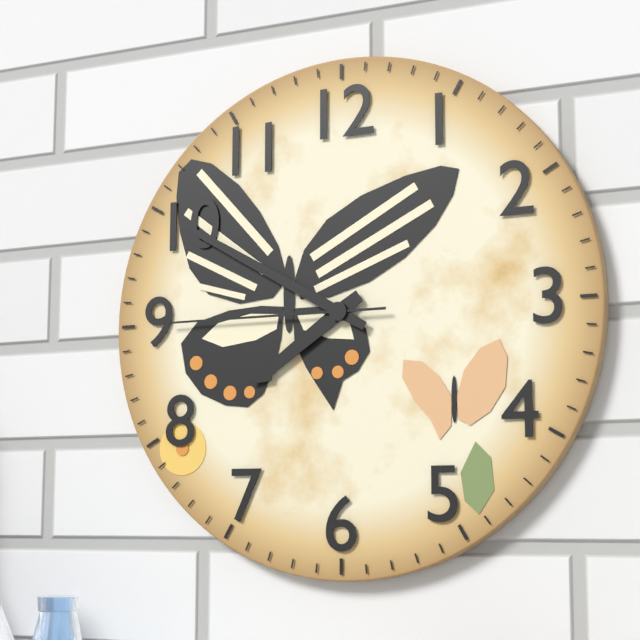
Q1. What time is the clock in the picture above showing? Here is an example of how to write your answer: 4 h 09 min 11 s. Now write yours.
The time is 7 h 50 min 45 s
